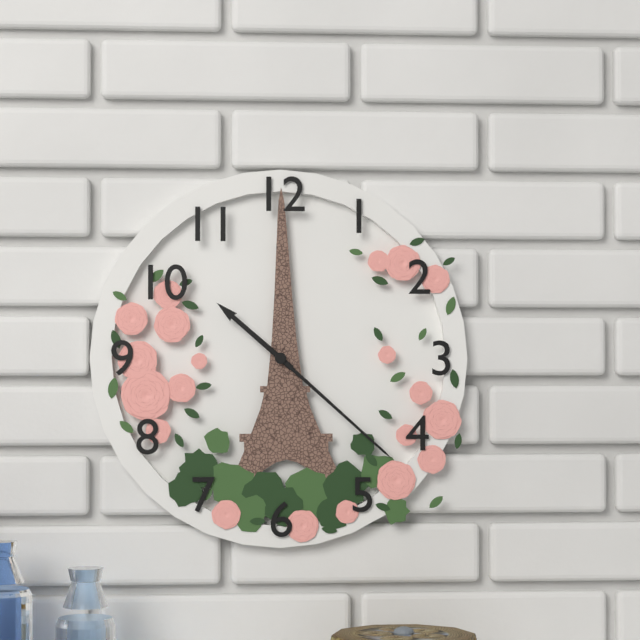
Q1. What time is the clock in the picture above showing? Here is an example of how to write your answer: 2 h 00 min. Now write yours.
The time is 10 h 22 min
